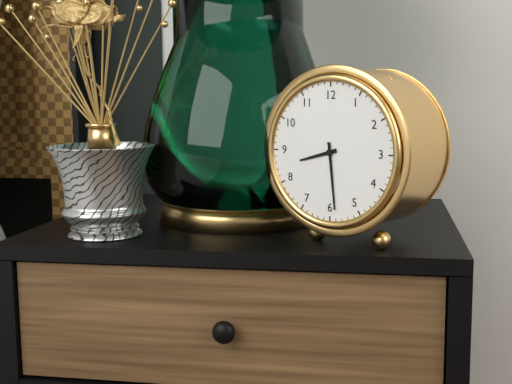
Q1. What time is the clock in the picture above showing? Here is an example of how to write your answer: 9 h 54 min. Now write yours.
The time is 8 h 29 min
